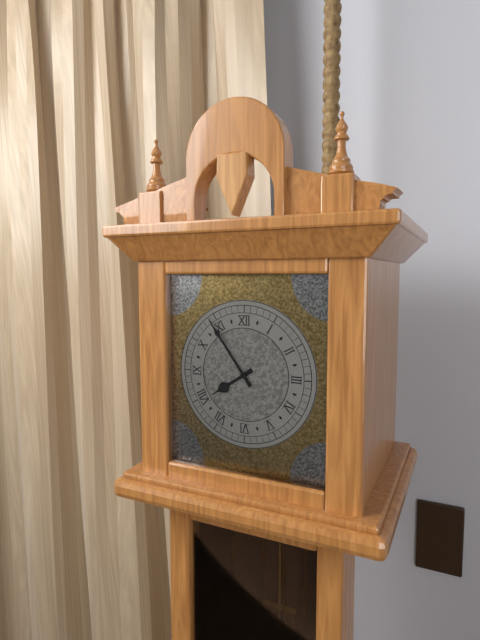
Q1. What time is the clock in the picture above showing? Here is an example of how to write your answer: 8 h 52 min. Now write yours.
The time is 7 h 54 min
